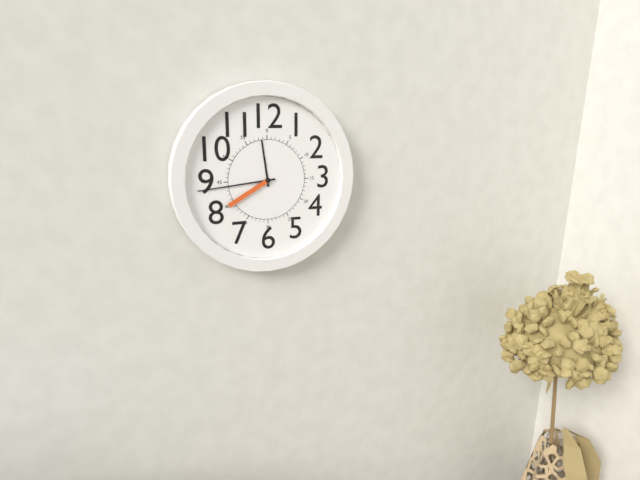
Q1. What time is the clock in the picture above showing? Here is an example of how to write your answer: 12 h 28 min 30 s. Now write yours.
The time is 11 h 44 min 40 s
